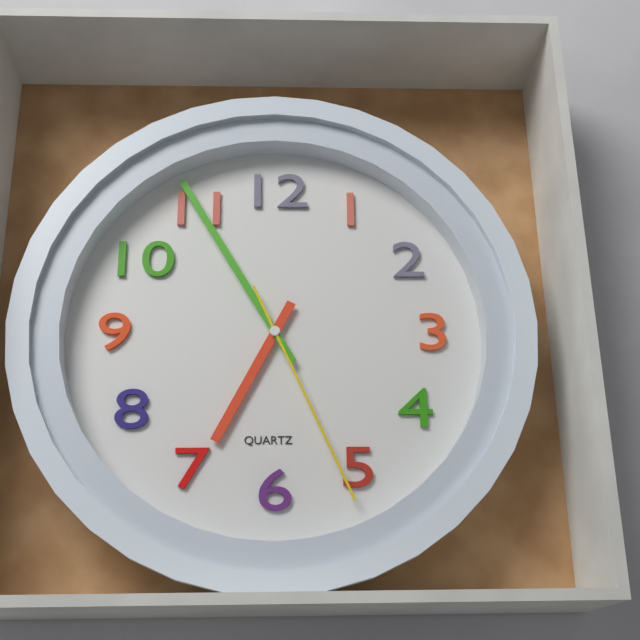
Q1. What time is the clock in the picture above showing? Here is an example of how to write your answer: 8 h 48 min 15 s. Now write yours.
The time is 6 h 55 min 26 s
